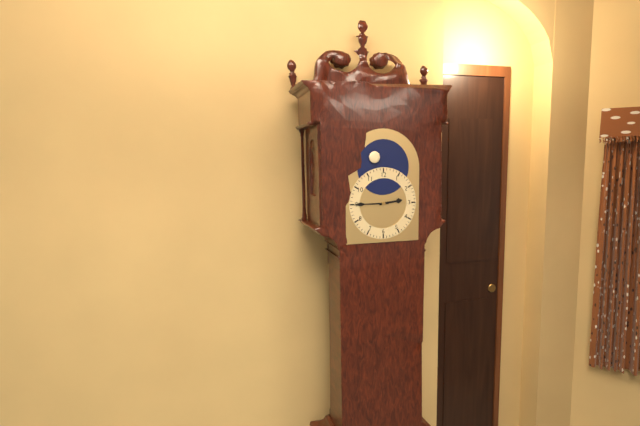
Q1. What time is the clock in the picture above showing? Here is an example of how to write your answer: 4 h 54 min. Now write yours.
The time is 2 h 45 min
